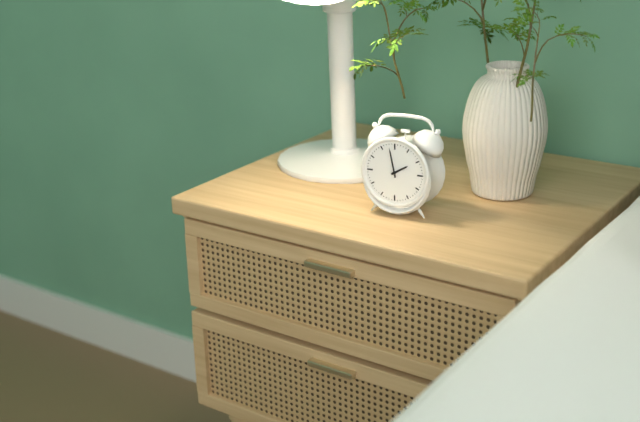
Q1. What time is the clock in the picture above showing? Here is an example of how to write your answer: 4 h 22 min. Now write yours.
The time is 1 h 58 min
